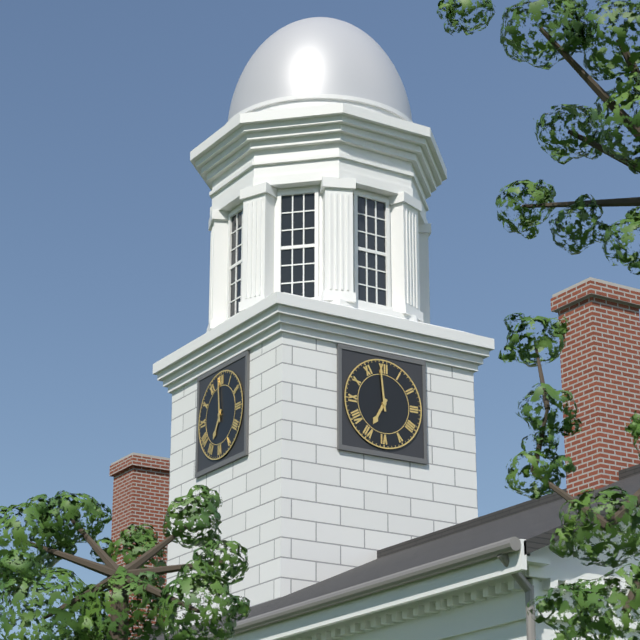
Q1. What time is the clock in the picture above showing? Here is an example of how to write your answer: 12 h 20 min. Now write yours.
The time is 6 h 59 min
